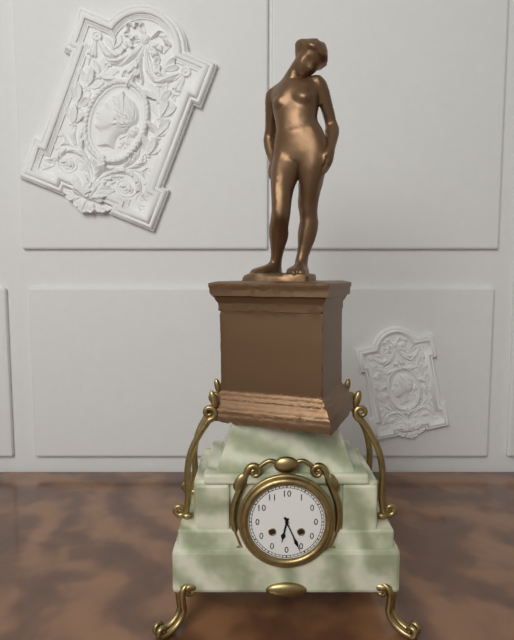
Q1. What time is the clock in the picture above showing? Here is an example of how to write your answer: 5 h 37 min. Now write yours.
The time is 6 h 26 min
